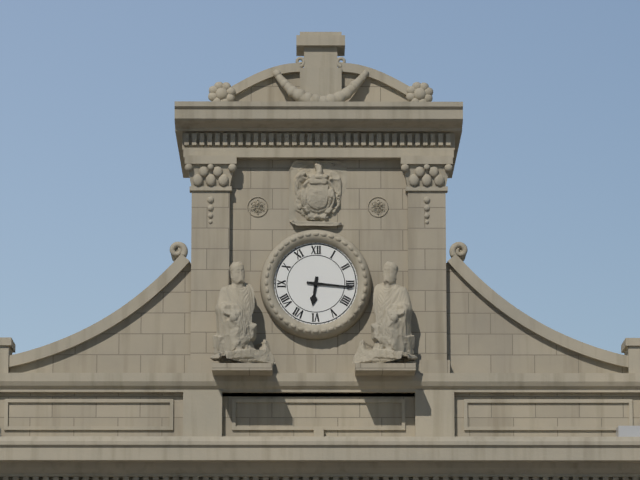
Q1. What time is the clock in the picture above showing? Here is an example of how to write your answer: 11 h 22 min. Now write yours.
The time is 6 h 16 min
